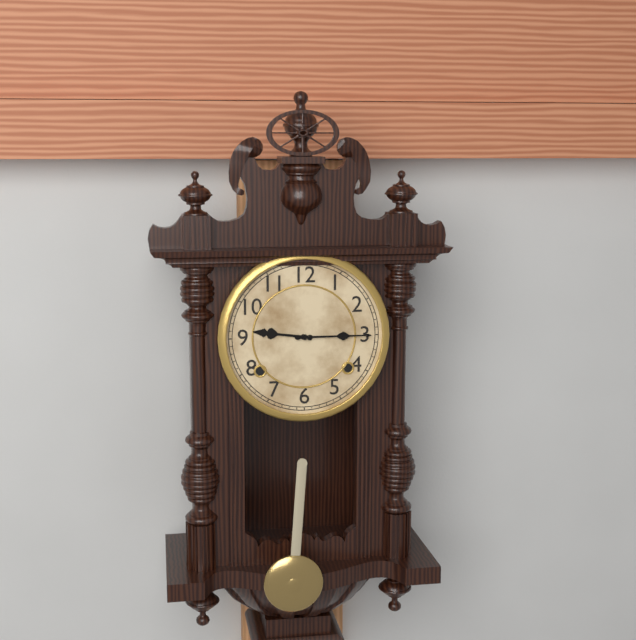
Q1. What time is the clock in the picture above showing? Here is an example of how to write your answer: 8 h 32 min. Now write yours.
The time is 9 h 15 min
